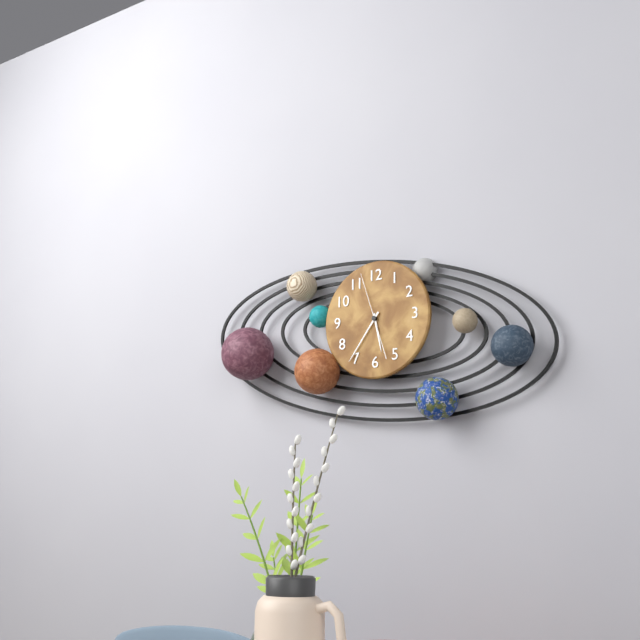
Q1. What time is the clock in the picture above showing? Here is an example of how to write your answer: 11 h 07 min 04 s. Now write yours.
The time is 5 h 36 min 57 s
